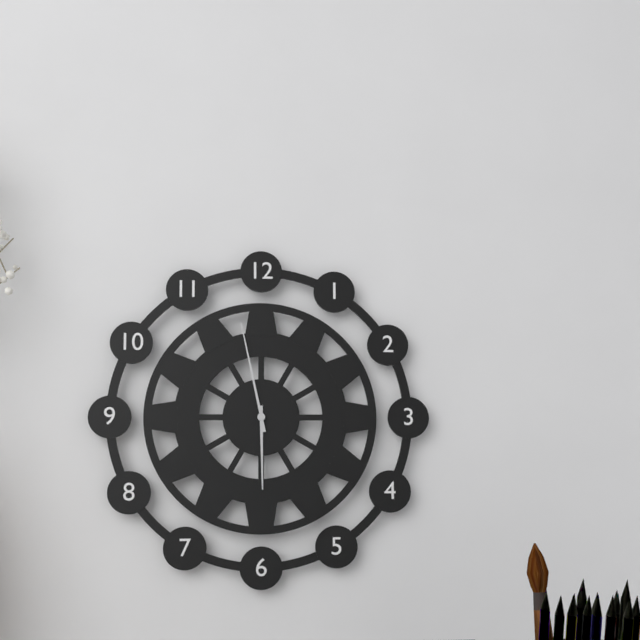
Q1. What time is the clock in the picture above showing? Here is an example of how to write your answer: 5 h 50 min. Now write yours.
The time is 5 h 58 min
